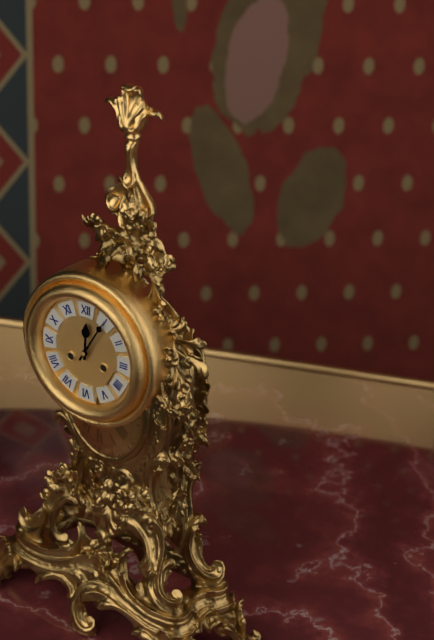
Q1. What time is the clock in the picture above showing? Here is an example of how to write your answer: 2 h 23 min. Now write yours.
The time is 12 h 05 min
